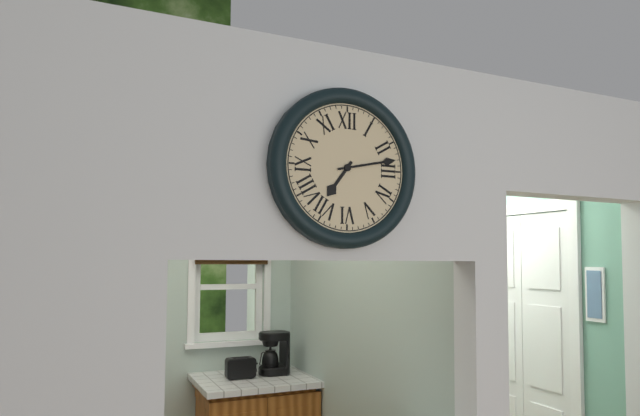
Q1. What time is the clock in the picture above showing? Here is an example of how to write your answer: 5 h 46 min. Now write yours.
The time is 7 h 13 min
